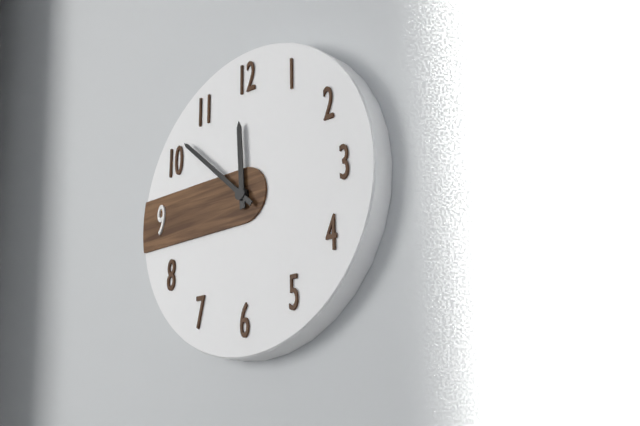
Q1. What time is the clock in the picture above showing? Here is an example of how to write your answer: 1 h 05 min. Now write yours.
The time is 11 h 52 min
